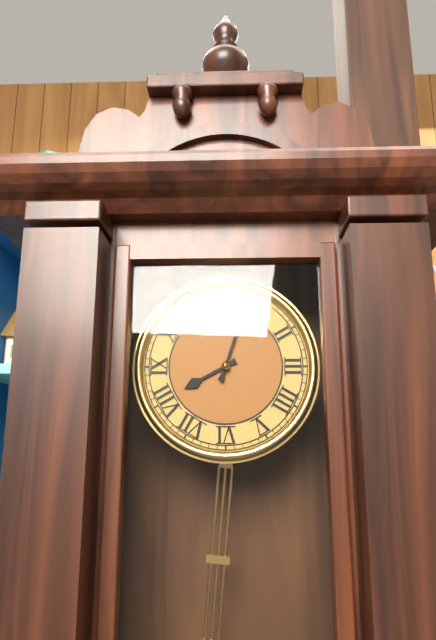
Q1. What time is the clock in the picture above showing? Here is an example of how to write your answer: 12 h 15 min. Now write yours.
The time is 8 h 03 min
